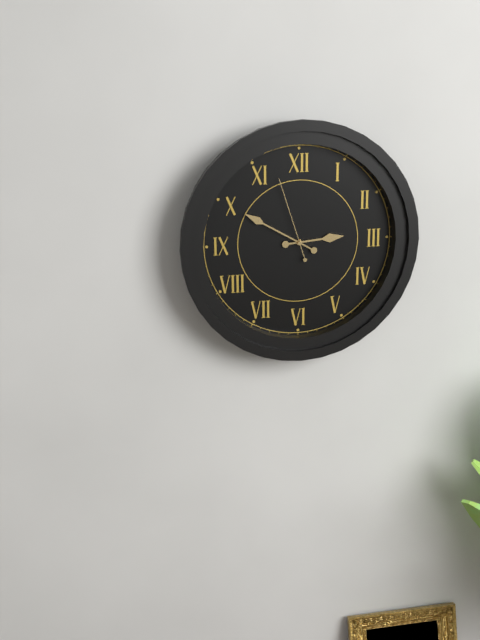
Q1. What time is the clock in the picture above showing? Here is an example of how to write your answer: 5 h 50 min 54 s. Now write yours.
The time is 2 h 50 min 57 s
